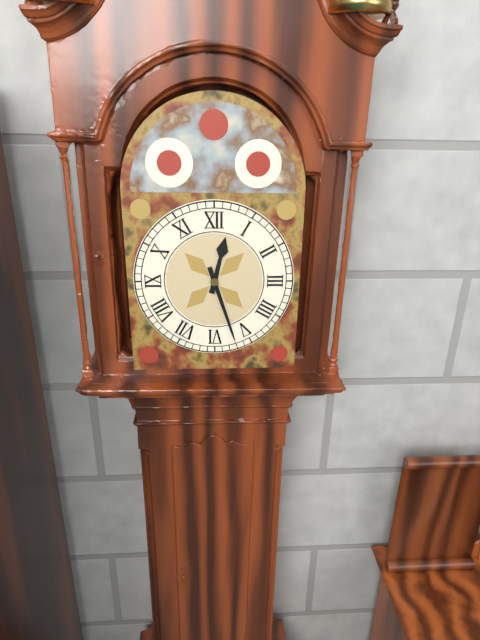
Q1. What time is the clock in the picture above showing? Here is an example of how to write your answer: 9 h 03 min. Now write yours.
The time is 12 h 27 min
